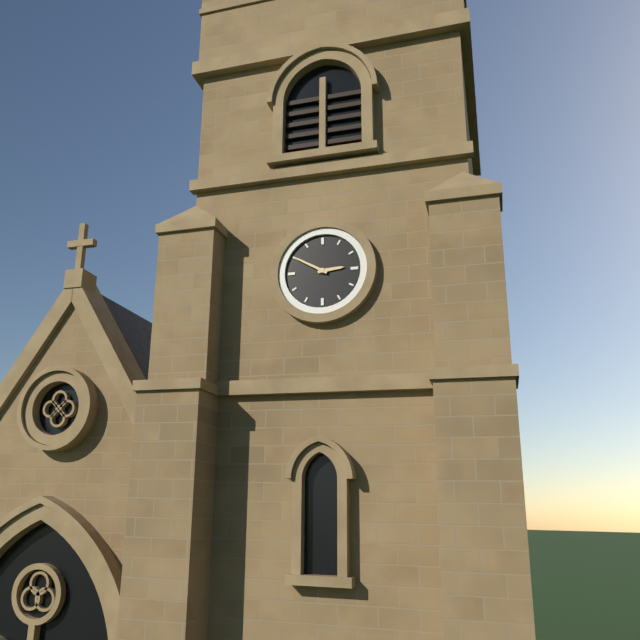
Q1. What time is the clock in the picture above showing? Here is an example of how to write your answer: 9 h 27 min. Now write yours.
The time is 2 h 50 min
